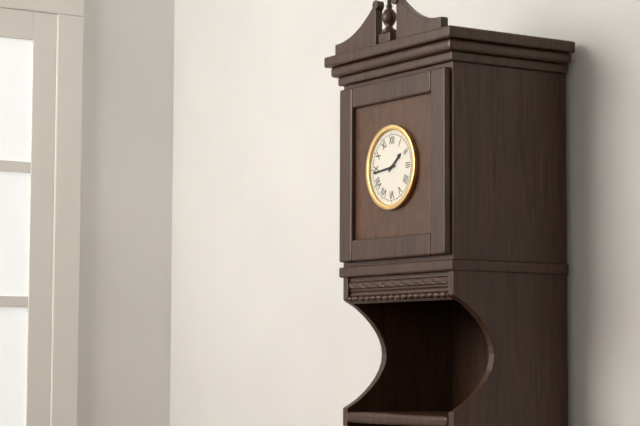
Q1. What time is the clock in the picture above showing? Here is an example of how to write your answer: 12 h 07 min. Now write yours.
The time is 1 h 44 min
